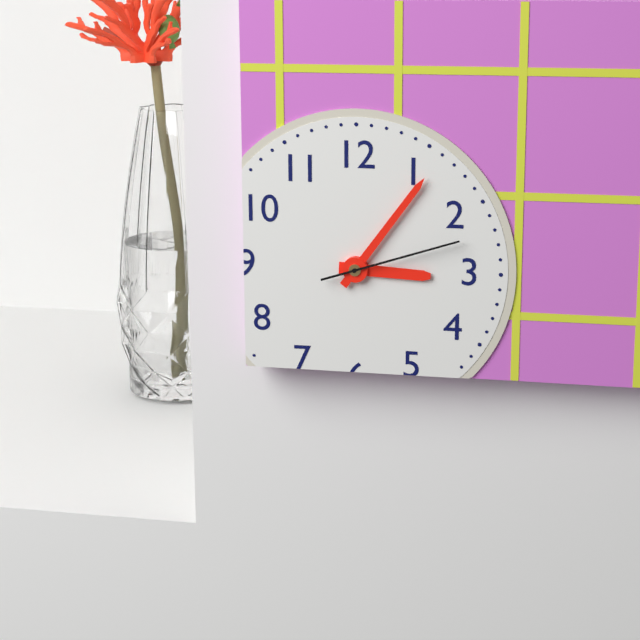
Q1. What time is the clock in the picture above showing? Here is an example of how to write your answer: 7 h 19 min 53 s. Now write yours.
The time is 3 h 06 min 12 s
